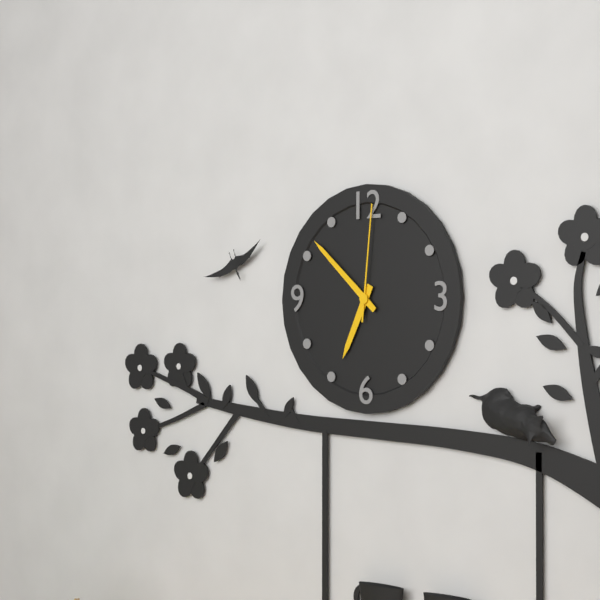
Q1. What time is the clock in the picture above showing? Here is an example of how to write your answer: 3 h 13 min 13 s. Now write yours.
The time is 6 h 52 min 01 s
